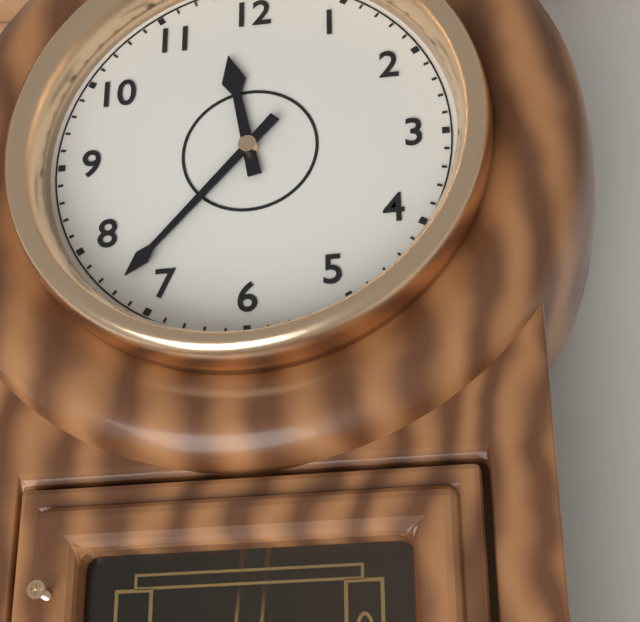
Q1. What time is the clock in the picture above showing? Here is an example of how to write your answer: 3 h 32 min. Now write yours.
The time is 11 h 37 min
